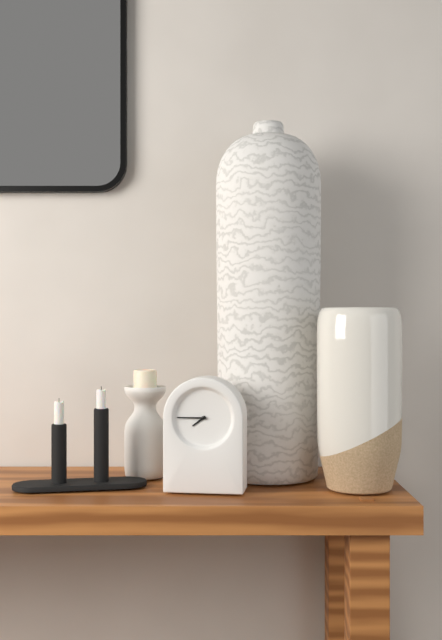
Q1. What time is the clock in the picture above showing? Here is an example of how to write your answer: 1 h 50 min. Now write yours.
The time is 7 h 45 min
